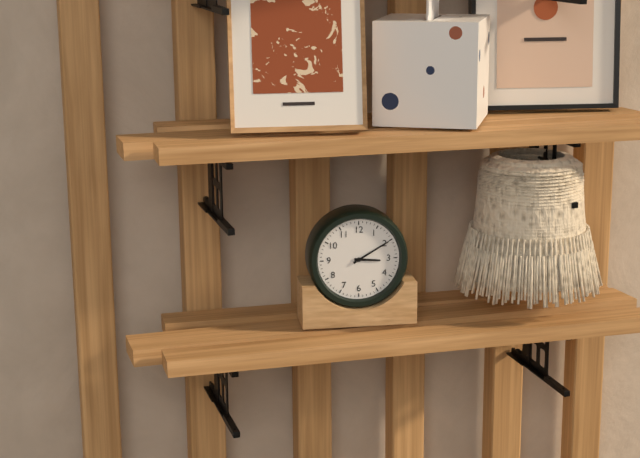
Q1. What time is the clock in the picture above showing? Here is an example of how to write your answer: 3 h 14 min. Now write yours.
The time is 3 h 10 min
